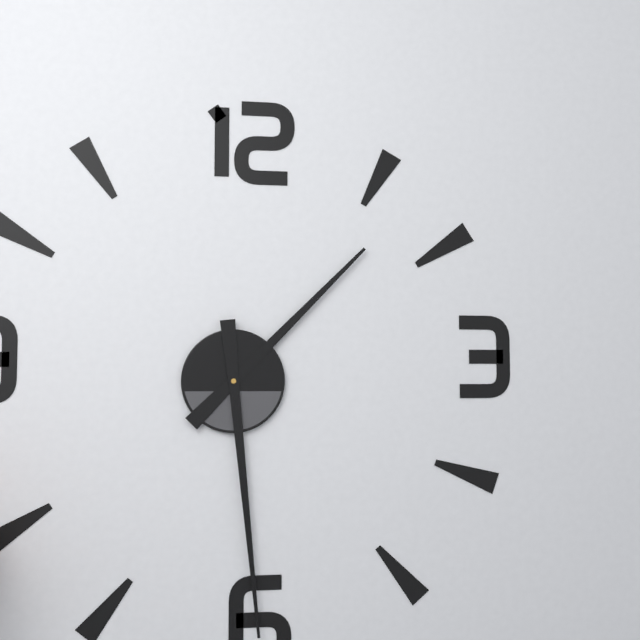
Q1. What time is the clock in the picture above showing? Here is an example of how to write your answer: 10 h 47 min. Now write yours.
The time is 1 h 29 min
